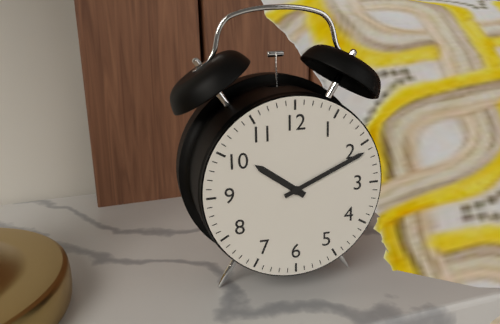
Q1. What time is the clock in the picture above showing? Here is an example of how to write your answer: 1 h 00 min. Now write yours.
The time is 10 h 11 min
